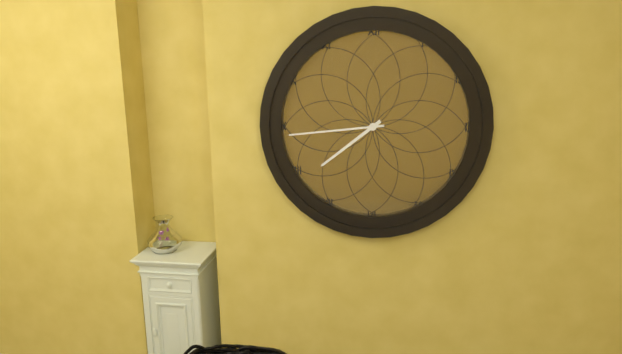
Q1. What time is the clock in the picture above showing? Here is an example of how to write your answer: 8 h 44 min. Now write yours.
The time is 7 h 44 min
